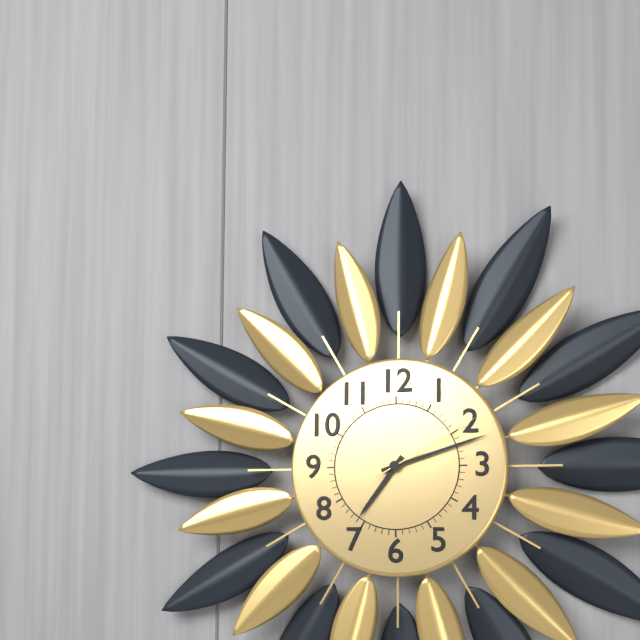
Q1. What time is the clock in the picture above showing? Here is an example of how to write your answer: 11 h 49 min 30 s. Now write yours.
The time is 7 h 12 min 10 s
